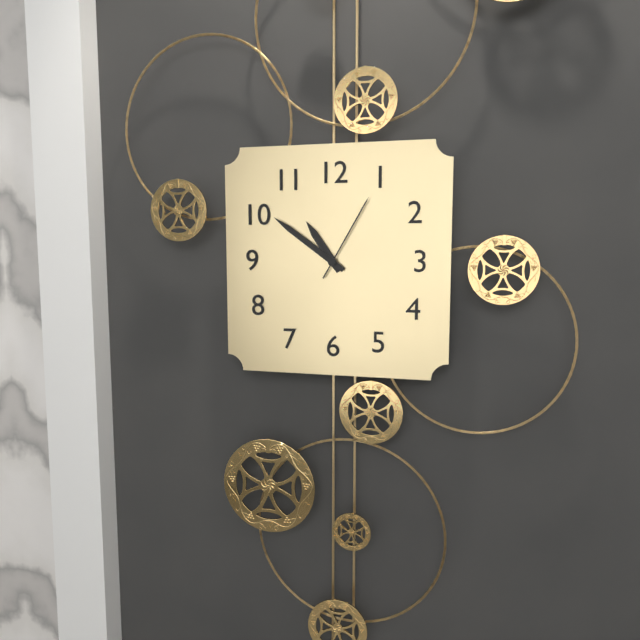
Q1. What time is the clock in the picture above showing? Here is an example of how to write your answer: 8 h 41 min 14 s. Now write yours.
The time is 10 h 51 min 05 s
